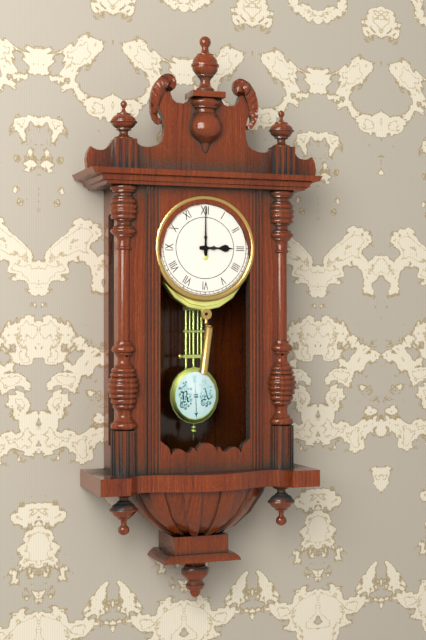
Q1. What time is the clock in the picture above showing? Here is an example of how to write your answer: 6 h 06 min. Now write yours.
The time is 3 h 00 min
